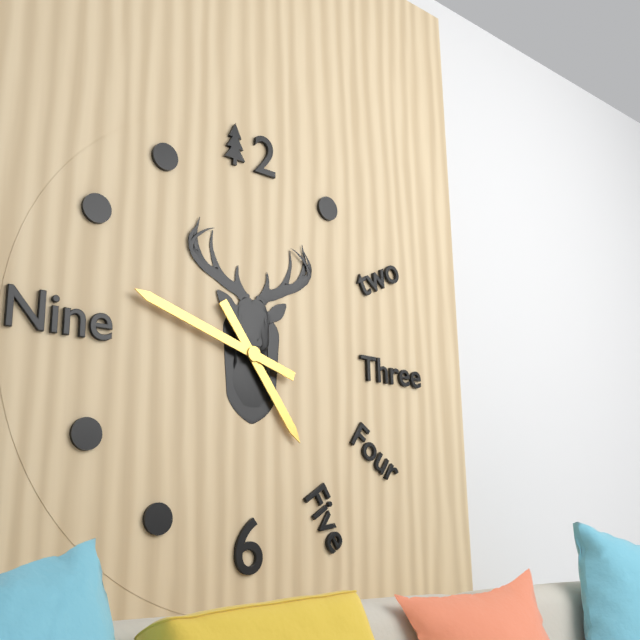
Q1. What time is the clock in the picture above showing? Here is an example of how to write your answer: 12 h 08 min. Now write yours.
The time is 4 h 48 min
